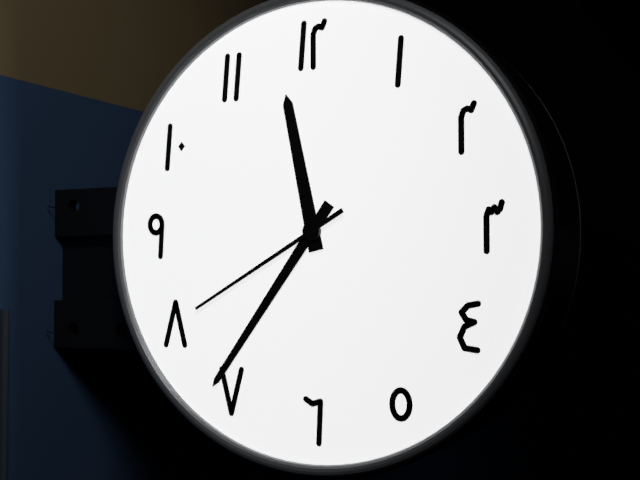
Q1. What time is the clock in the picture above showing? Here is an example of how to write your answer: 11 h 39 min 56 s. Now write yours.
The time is 11 h 36 min 40 s
